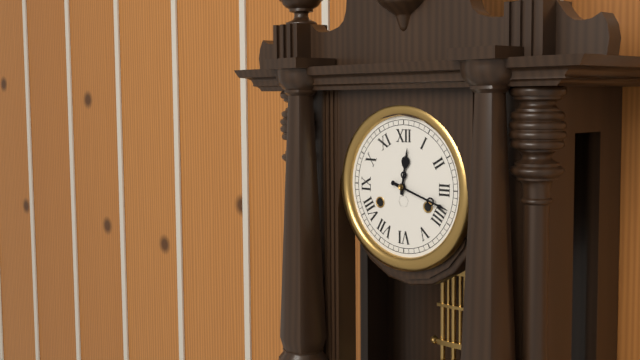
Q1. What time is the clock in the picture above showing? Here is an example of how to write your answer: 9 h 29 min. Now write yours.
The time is 12 h 18 min
